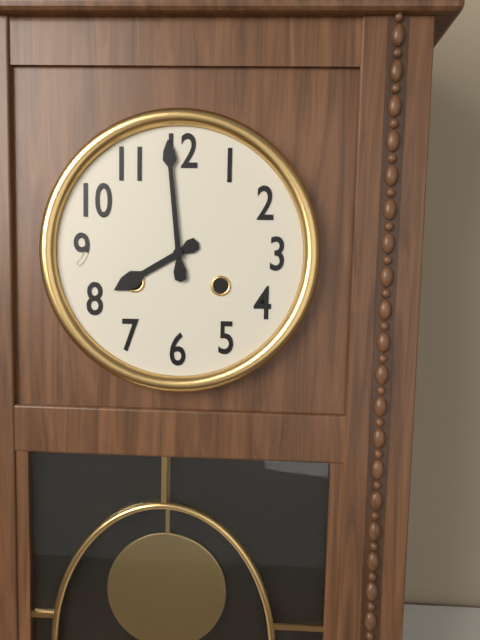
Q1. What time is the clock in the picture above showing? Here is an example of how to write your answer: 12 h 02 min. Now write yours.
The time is 7 h 59 min
